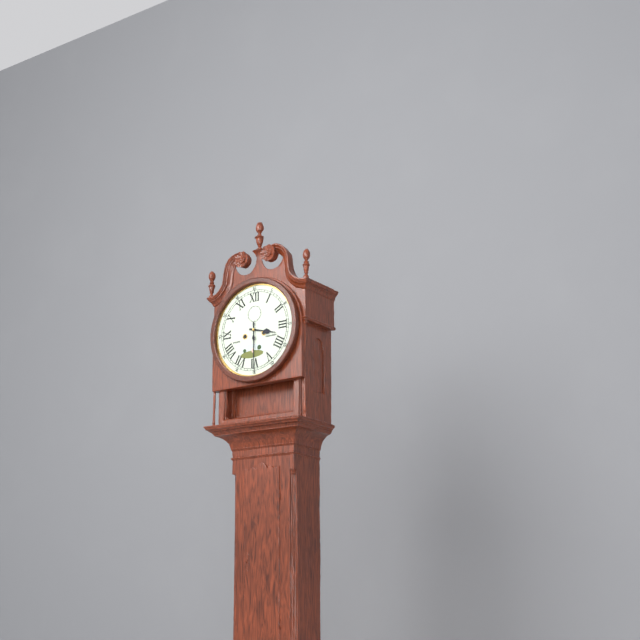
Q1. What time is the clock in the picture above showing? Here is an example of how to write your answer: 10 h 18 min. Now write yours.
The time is 3 h 30 min
